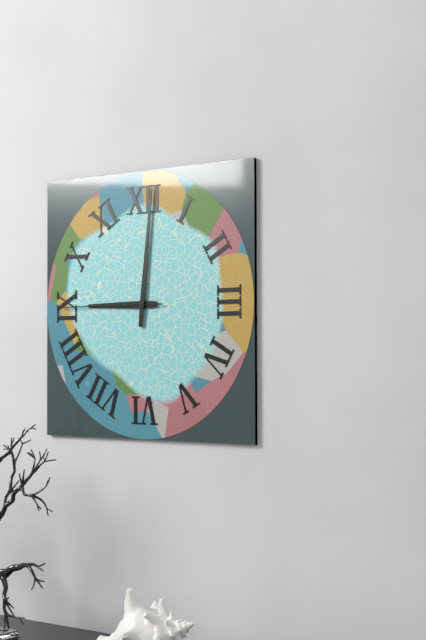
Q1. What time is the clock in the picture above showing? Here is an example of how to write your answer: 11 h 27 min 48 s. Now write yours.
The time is 9 h 01 min 45 s
